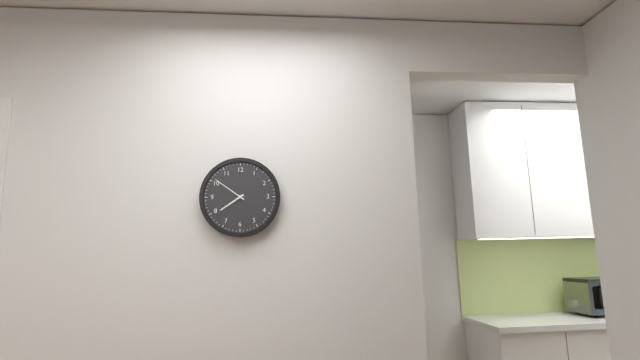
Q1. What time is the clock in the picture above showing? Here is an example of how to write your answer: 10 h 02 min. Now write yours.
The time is 7 h 51 min
